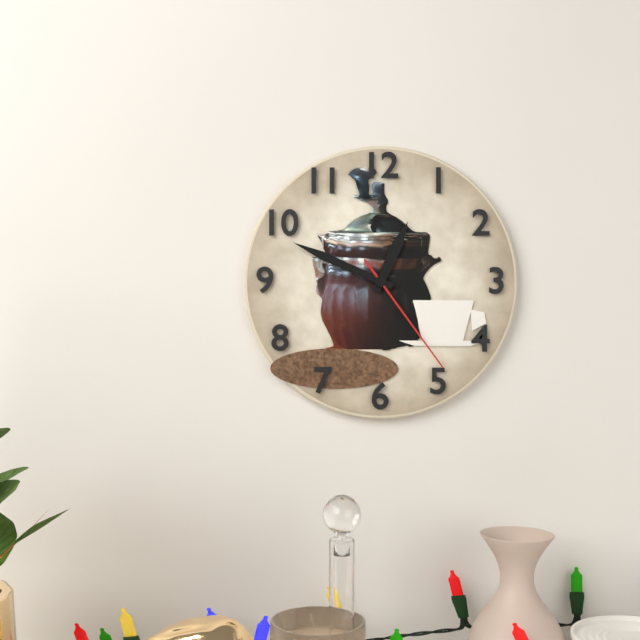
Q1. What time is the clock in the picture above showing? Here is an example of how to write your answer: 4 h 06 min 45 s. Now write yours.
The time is 12 h 49 min 24 s
